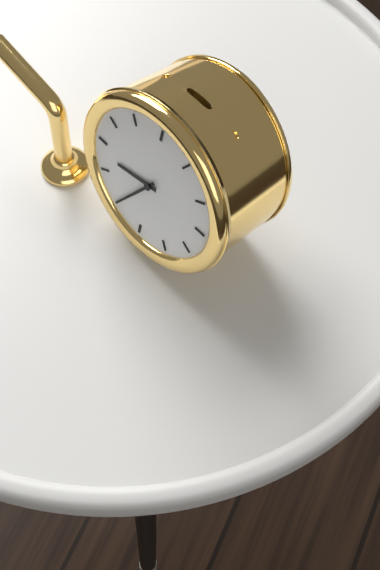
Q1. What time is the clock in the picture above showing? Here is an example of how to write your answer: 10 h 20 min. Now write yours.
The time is 8 h 35 min
